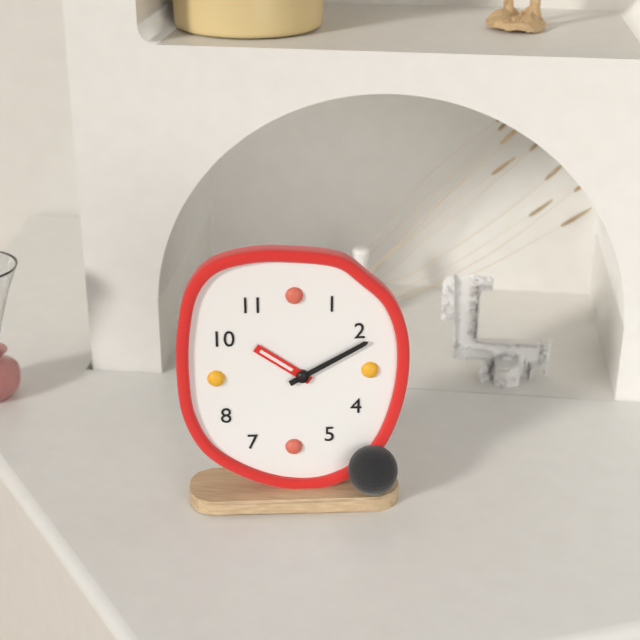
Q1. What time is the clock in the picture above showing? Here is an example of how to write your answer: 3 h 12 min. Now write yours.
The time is 10 h 10 min
